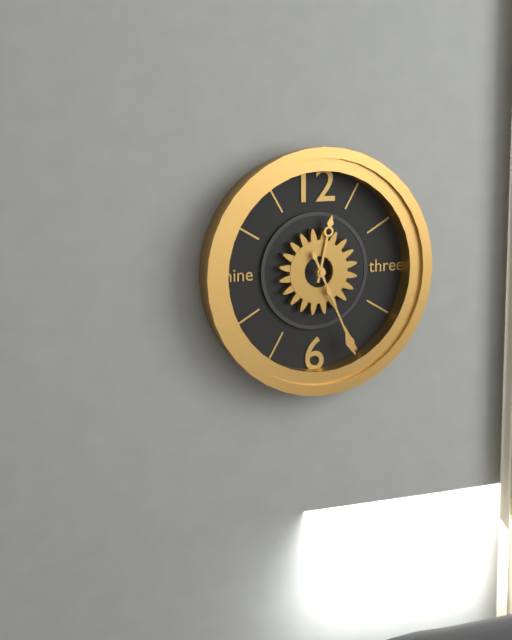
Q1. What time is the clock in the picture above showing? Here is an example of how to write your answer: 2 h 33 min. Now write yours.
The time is 12 h 26 min
